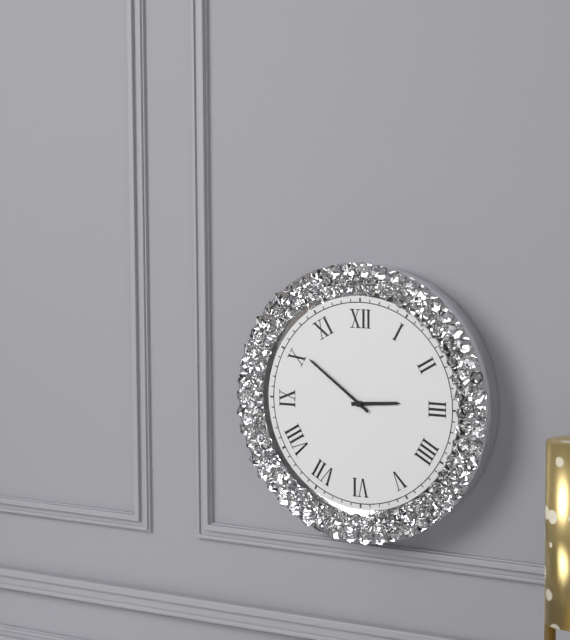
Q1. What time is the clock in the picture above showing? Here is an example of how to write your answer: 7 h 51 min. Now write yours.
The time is 2 h 51 min
